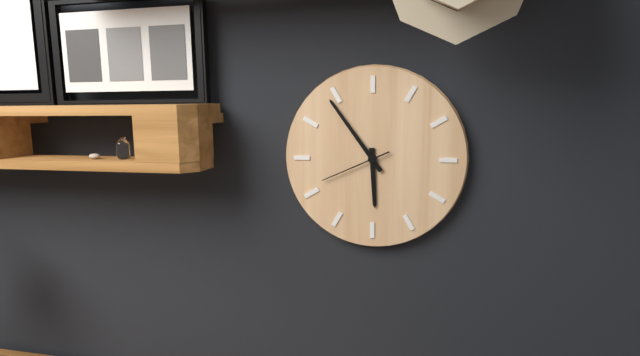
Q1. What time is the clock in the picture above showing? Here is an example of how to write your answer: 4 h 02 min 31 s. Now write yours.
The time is 5 h 54 min 41 s
